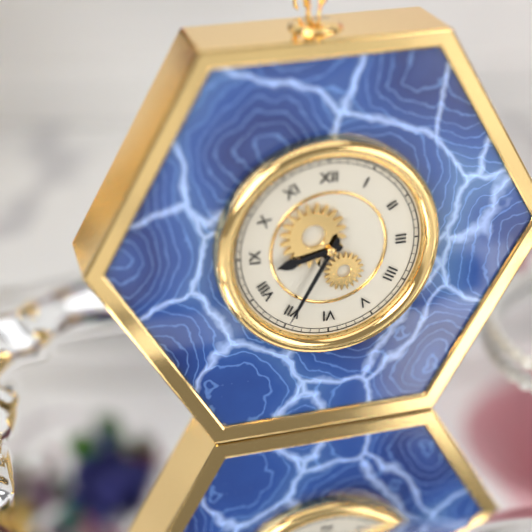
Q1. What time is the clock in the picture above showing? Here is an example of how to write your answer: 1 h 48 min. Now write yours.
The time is 8 h 35 min
